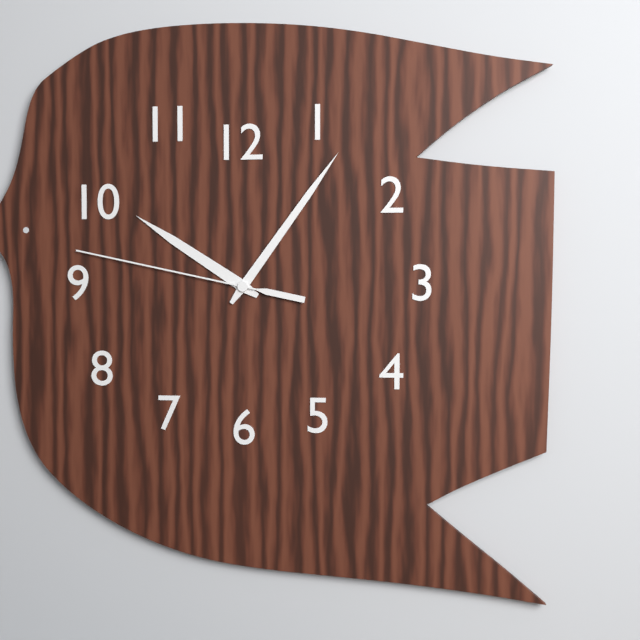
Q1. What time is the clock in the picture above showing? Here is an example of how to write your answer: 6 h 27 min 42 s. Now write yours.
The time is 10 h 06 min 47 s
